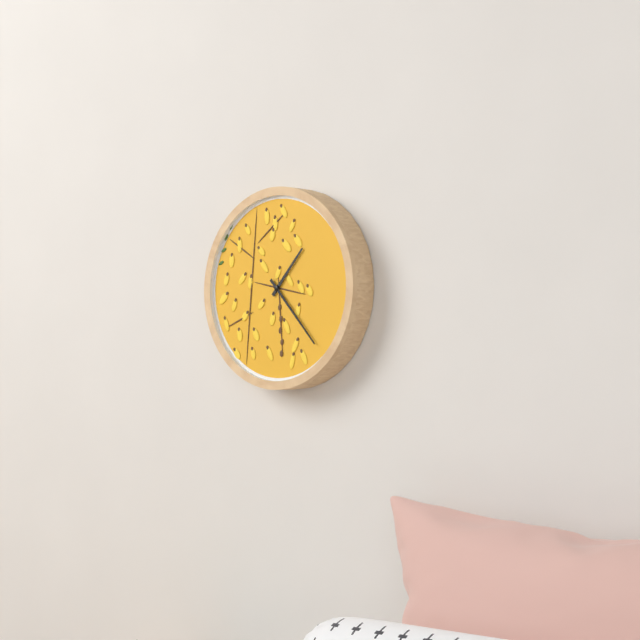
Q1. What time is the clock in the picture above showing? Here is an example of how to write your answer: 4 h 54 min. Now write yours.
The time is 1 h 23 min
